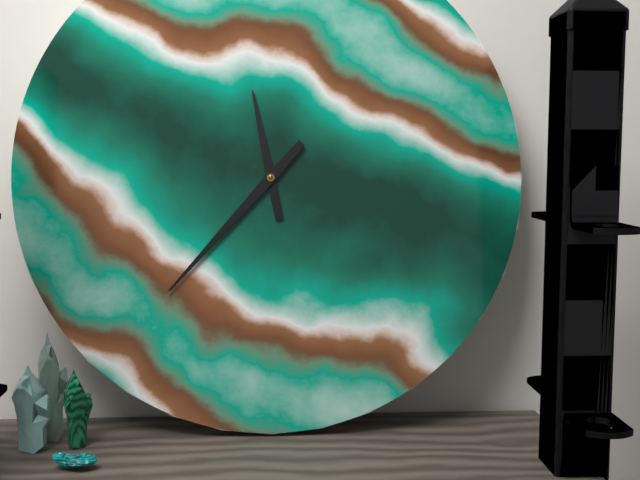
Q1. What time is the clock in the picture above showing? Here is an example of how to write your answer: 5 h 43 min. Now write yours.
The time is 11 h 37 min
